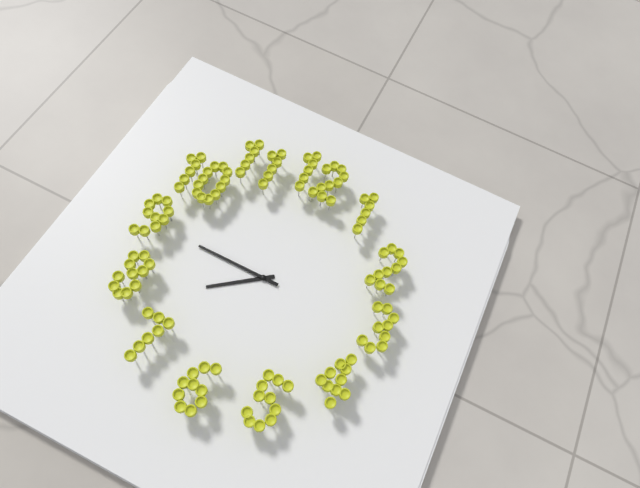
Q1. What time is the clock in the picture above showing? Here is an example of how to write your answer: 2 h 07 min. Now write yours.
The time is 7 h 45 min
